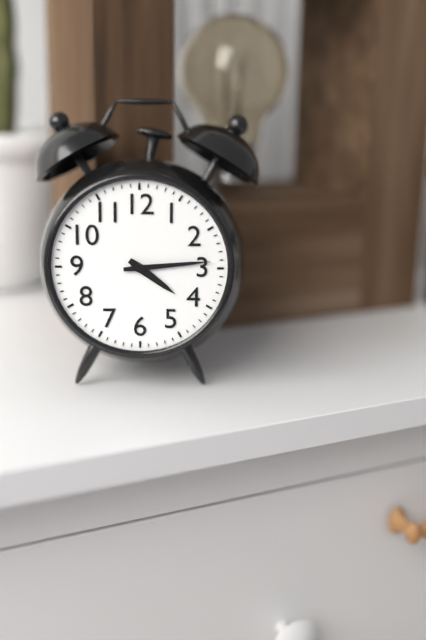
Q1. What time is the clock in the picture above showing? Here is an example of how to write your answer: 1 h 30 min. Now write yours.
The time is 4 h 14 min
